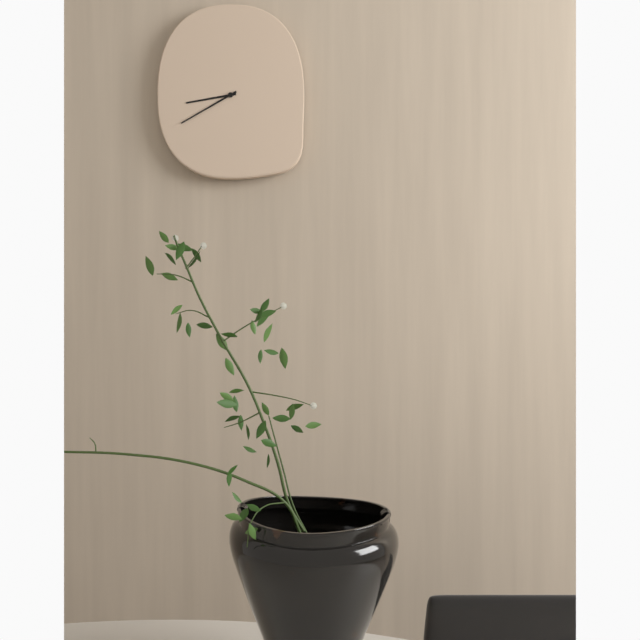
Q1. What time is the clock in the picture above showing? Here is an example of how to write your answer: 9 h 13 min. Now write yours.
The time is 8 h 40 min
